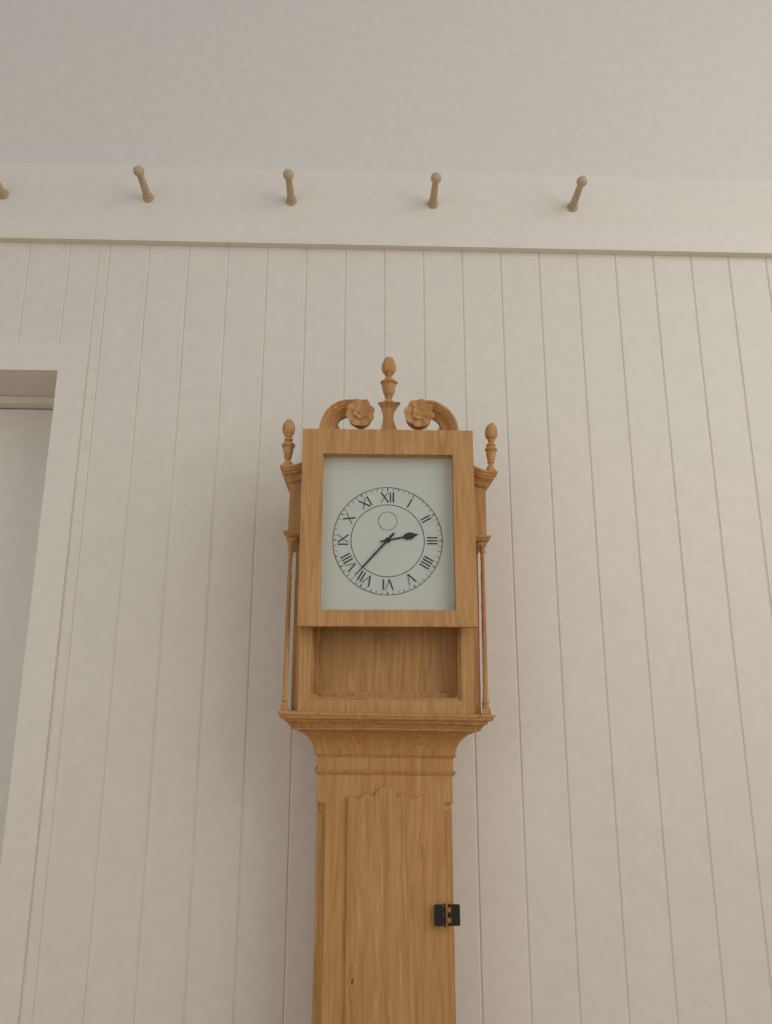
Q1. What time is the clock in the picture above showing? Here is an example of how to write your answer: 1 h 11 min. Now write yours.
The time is 2 h 37 min
